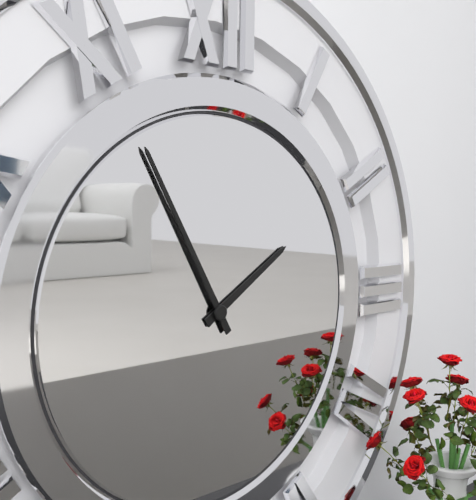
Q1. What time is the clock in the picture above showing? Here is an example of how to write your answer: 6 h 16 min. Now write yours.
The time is 1 h 55 min
